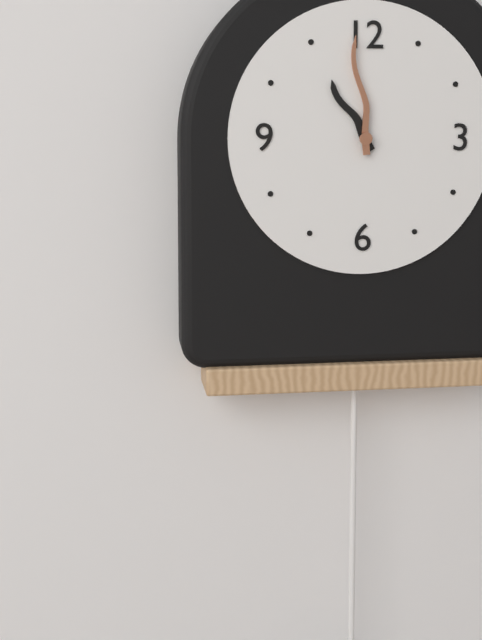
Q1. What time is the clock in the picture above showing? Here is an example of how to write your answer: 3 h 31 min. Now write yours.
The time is 10 h 59 min
